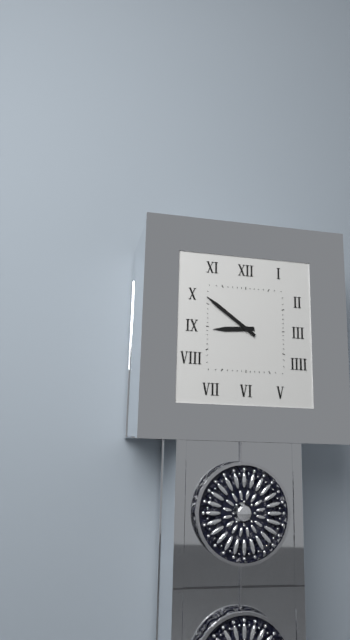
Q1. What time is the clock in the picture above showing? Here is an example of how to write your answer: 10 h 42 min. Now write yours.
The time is 8 h 51 min
